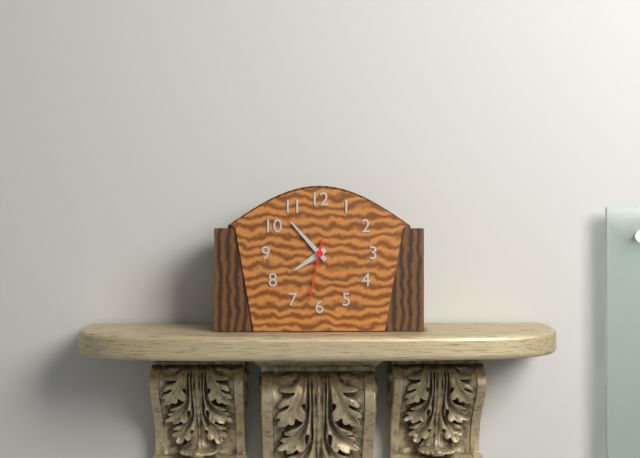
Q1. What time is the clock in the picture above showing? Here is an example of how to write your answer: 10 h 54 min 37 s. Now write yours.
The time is 7 h 53 min 32 s
